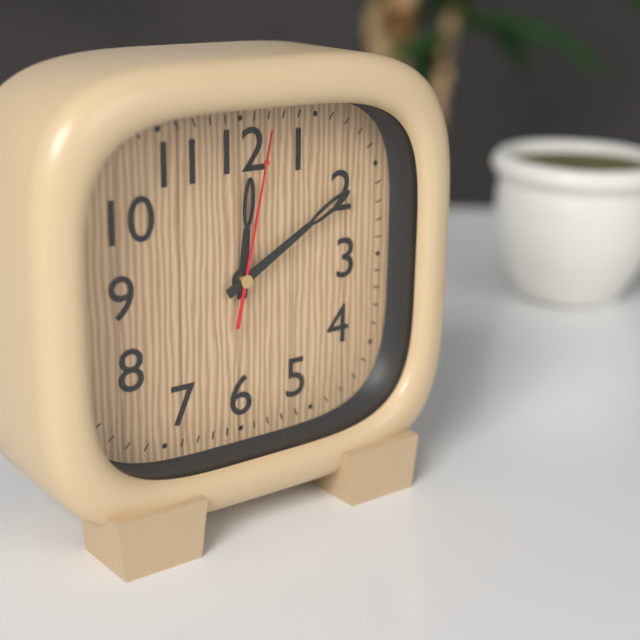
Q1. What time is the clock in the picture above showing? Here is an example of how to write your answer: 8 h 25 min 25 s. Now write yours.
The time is 12 h 10 min 02 s
